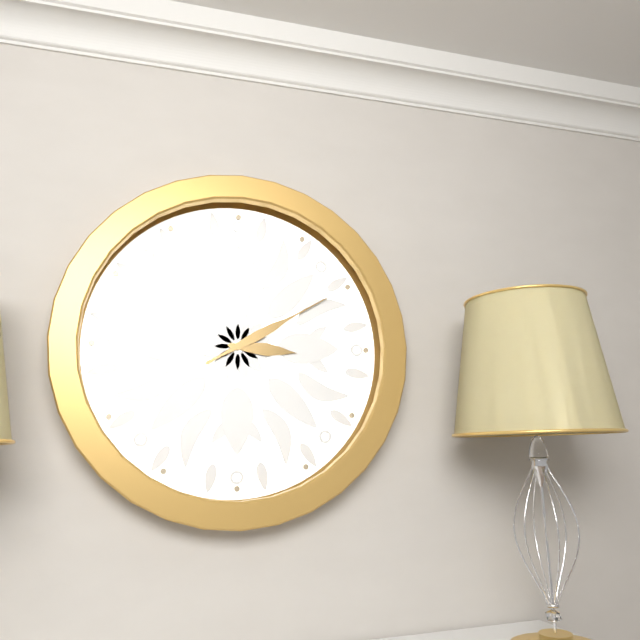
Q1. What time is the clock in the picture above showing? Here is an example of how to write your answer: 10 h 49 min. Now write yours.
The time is 3 h 10 min
